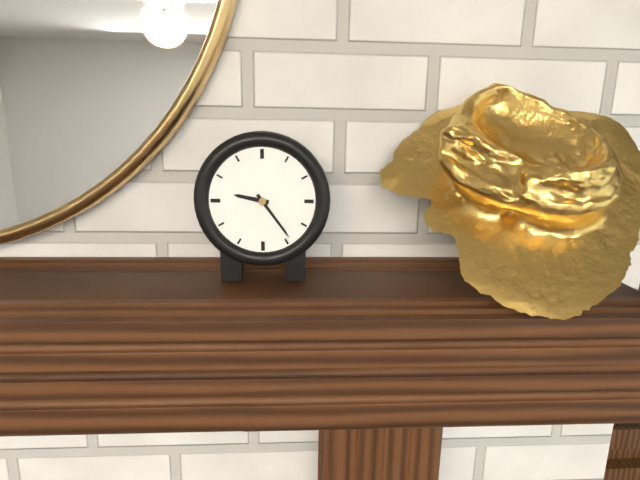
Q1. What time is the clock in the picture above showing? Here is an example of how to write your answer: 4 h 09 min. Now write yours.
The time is 9 h 24 min
